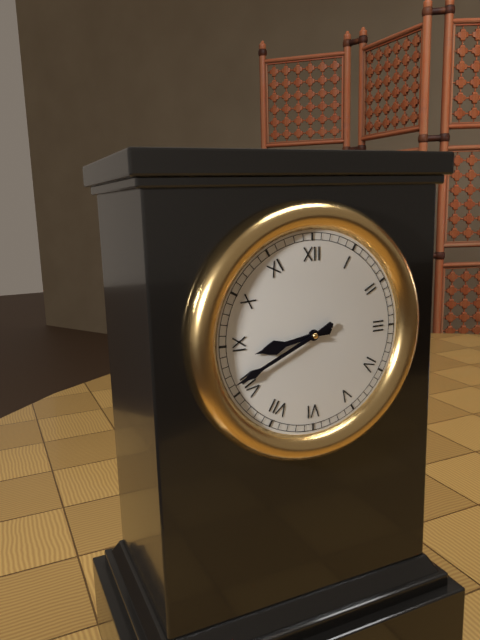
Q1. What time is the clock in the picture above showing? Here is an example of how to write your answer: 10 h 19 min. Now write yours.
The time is 8 h 41 min
